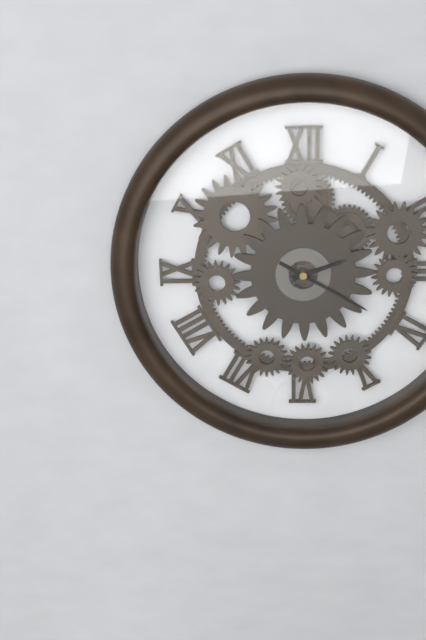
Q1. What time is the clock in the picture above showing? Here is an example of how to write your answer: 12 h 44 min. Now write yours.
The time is 2 h 20 min
